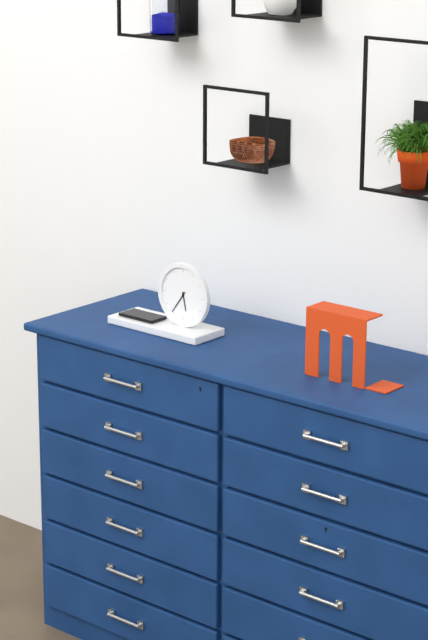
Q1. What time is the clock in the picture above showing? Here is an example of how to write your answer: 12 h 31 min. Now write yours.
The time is 5 h 36 min
